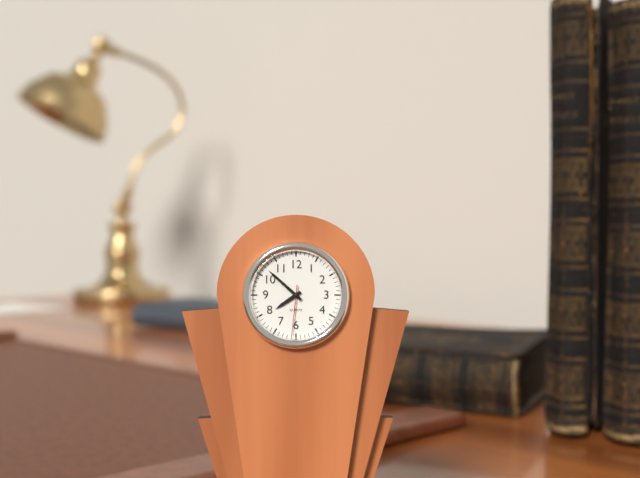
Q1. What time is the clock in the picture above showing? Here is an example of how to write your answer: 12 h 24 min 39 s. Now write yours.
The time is 7 h 52 min 31 s
